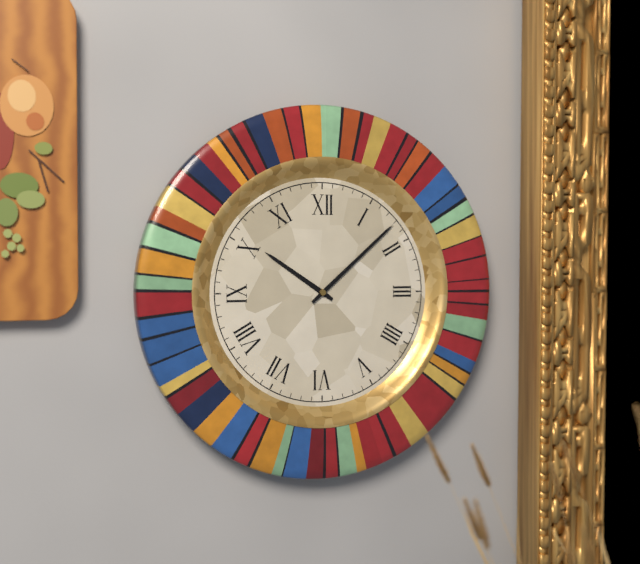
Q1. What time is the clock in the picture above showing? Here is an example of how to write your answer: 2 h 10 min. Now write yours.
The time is 10 h 08 min
